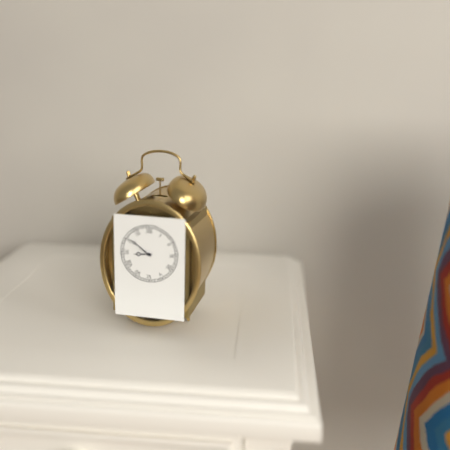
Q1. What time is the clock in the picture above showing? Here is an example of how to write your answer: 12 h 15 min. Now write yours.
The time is 8 h 51 min
